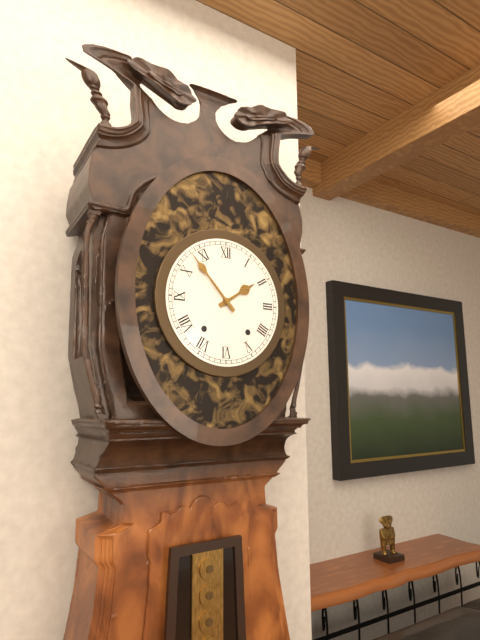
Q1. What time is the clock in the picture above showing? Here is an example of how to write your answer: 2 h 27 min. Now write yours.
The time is 1 h 53 min
